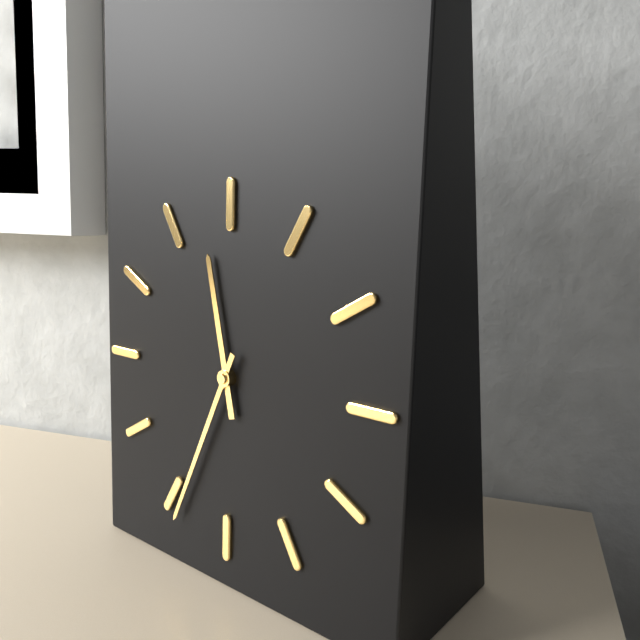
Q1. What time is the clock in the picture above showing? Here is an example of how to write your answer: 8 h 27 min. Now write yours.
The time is 11 h 34 min
